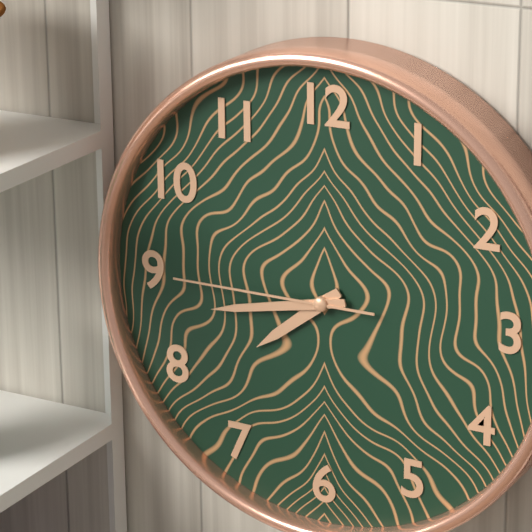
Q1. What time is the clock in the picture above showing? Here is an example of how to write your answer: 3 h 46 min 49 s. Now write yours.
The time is 7 h 43 min 45 s
